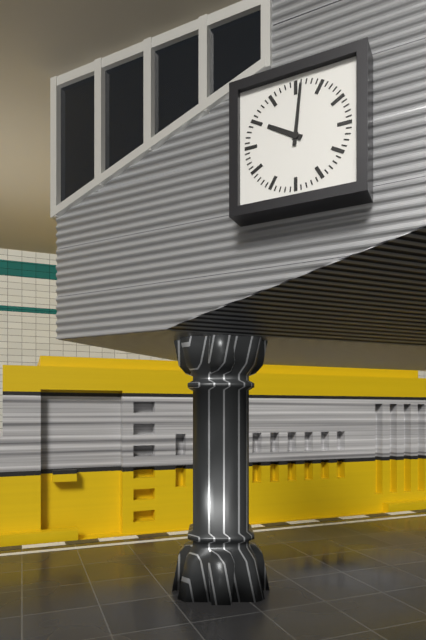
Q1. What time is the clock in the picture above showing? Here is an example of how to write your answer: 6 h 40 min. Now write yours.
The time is 10 h 01 min
